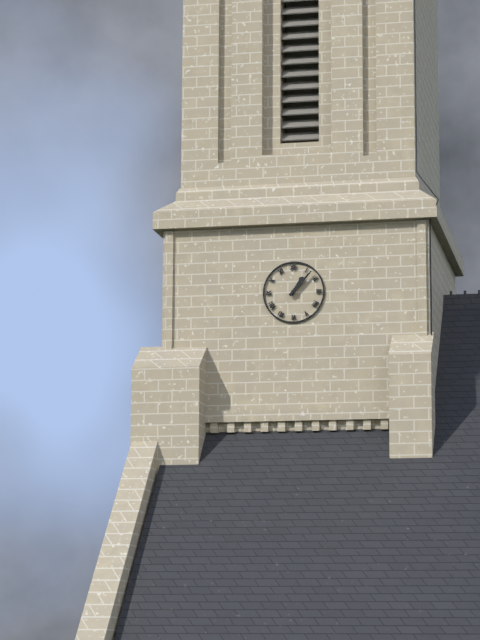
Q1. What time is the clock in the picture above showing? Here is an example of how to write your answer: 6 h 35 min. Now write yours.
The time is 1 h 07 min
